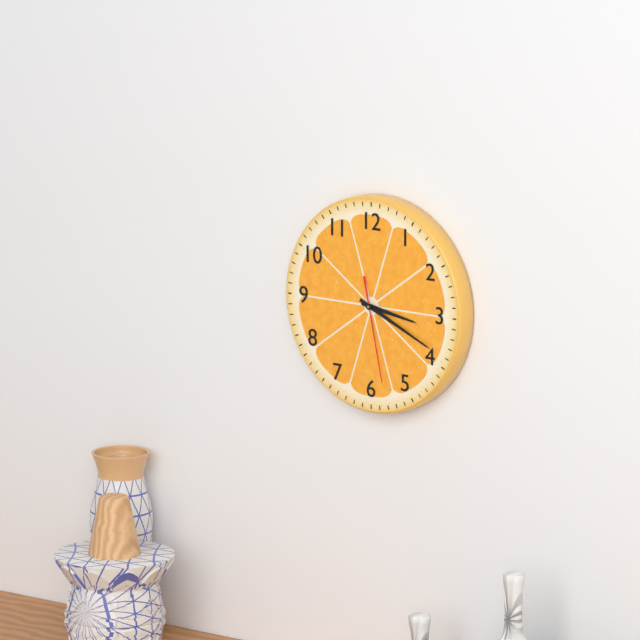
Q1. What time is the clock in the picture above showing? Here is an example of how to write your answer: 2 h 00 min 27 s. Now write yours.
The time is 3 h 19 min 28 s
